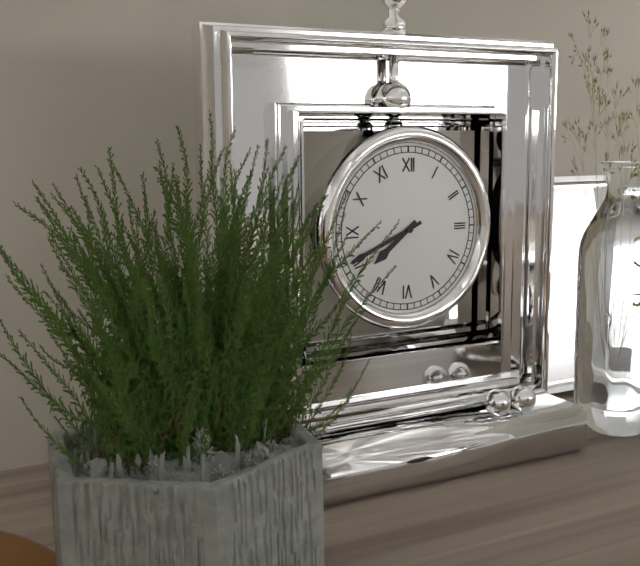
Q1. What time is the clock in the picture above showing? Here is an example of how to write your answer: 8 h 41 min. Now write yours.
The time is 7 h 41 min
